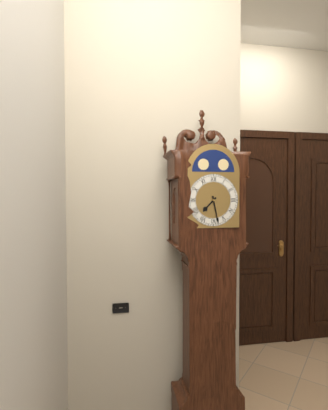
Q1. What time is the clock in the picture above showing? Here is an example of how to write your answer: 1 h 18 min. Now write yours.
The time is 7 h 28 min
